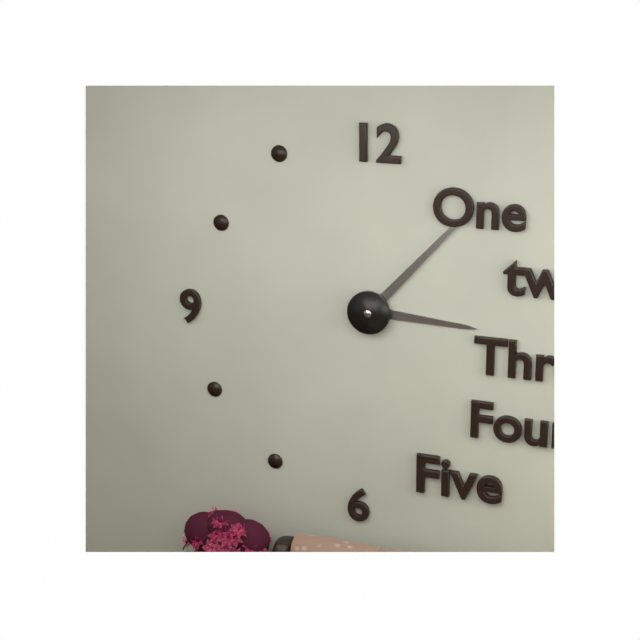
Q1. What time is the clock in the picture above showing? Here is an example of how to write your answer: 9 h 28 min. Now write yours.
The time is 3 h 07 min
